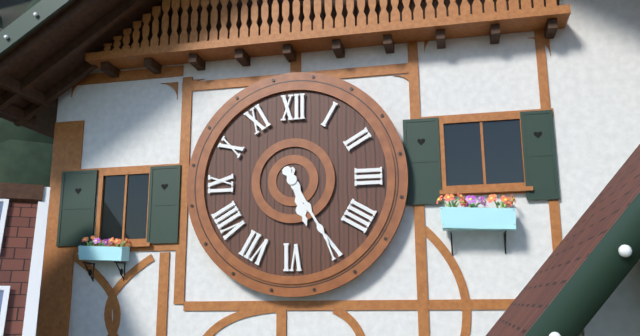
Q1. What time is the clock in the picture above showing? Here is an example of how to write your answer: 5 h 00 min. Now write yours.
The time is 5 h 25 min
